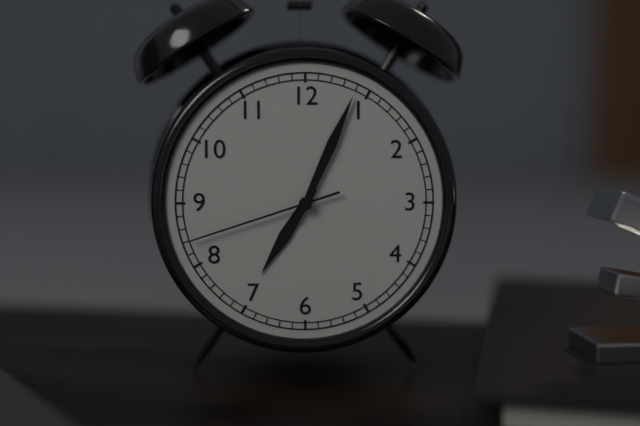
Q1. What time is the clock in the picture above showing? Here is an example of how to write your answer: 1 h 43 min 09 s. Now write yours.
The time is 7 h 04 min 42 s
